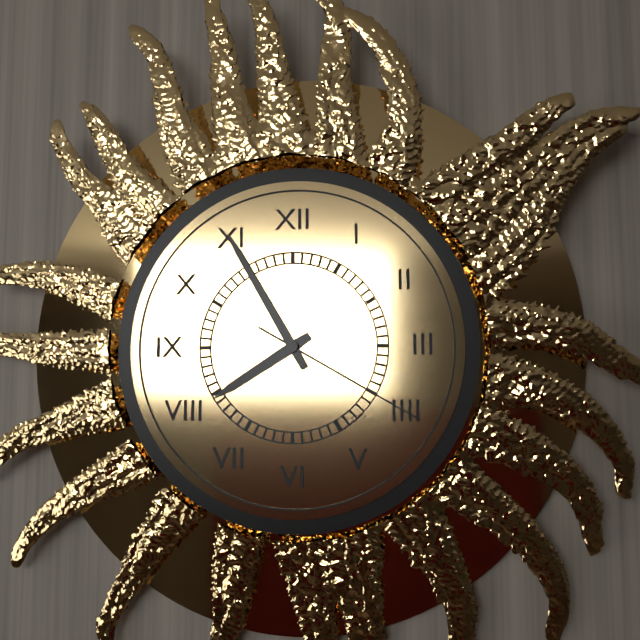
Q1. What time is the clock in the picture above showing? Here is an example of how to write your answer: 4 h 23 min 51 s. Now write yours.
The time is 7 h 55 min 20 s
